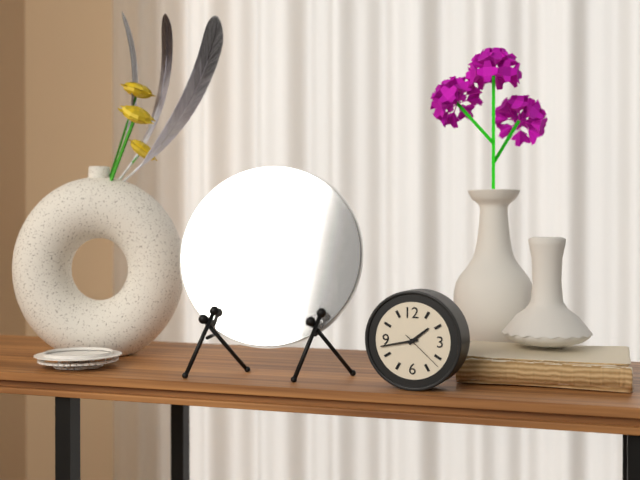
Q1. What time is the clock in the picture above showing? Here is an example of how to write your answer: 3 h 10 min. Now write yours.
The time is 1 h 43 min
